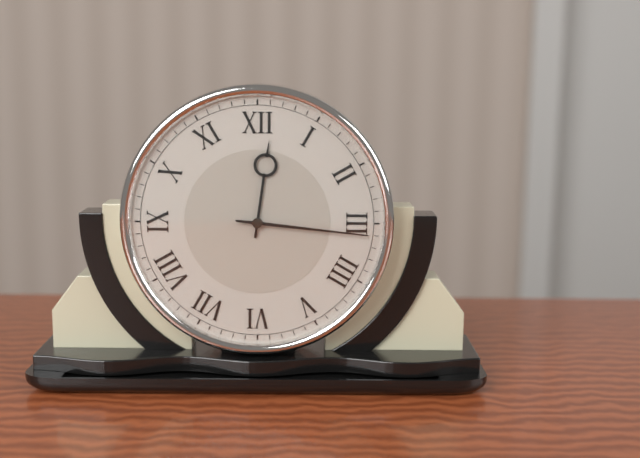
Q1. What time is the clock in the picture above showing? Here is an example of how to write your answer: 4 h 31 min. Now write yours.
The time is 12 h 16 min
